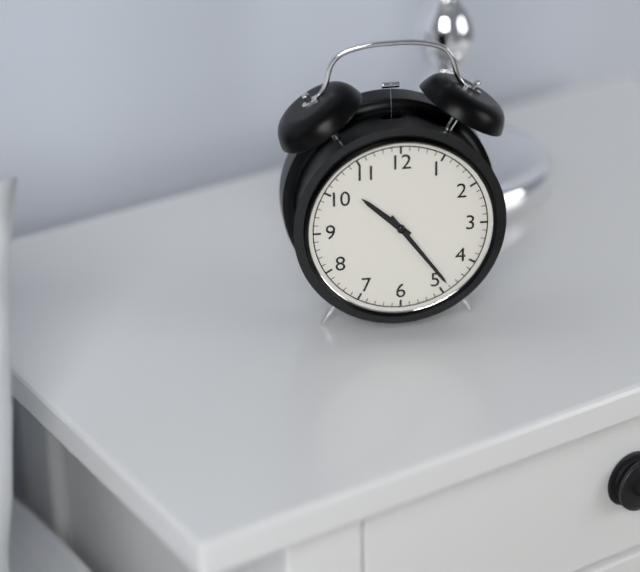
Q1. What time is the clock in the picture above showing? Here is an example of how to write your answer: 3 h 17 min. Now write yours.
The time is 10 h 24 min
